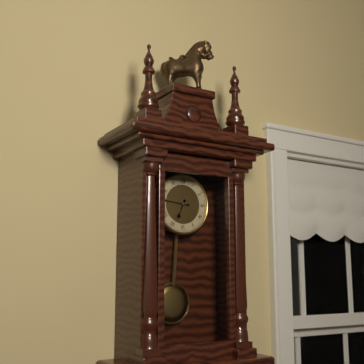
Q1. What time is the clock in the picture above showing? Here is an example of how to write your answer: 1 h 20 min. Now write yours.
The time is 6 h 46 min
